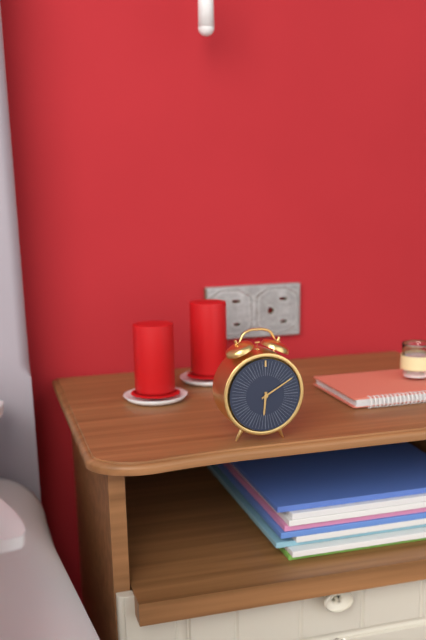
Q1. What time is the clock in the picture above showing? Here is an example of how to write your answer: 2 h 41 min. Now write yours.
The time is 6 h 10 min
